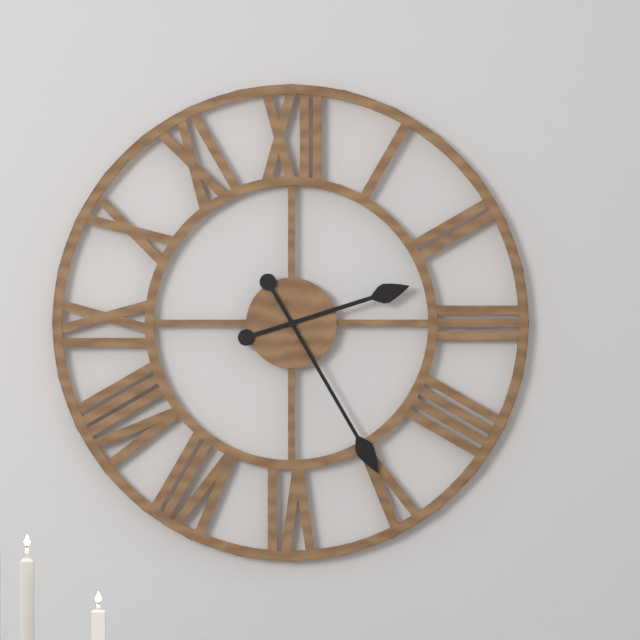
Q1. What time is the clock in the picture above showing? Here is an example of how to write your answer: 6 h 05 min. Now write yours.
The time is 2 h 25 min
